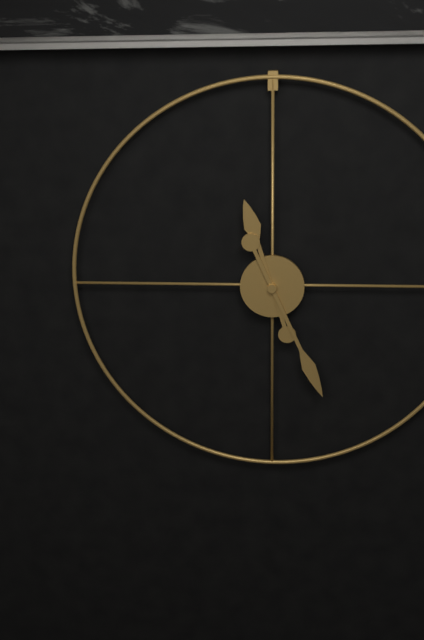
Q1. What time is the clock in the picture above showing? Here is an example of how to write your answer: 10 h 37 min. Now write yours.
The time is 11 h 26 min
